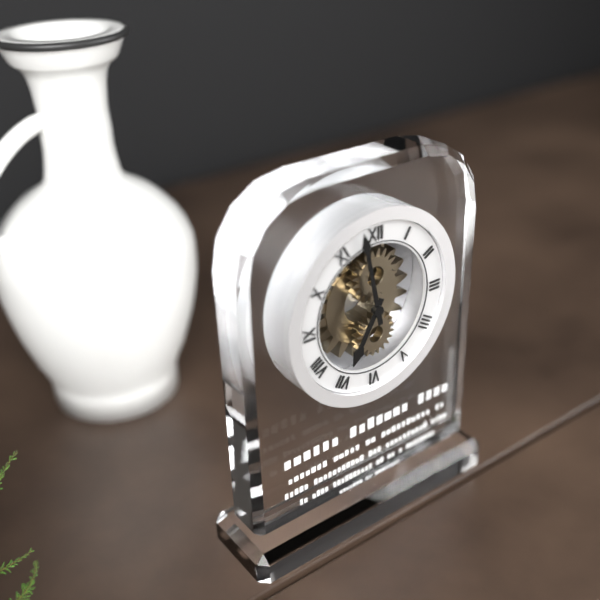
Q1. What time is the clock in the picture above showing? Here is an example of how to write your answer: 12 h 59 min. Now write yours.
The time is 6 h 58 min
